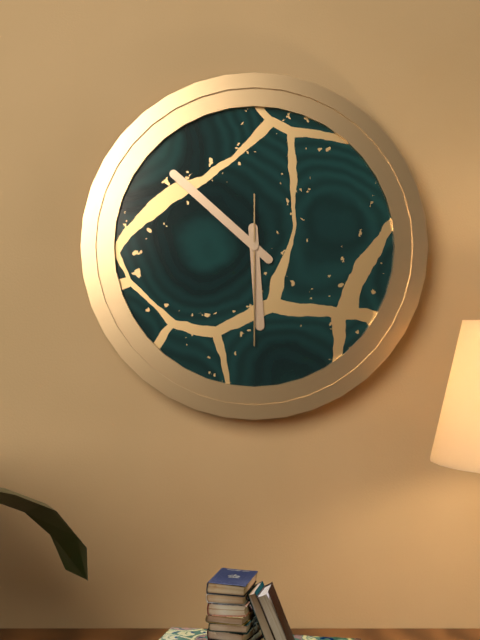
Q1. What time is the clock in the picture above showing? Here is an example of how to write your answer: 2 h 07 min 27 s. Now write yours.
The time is 5 h 52 min 30 s
